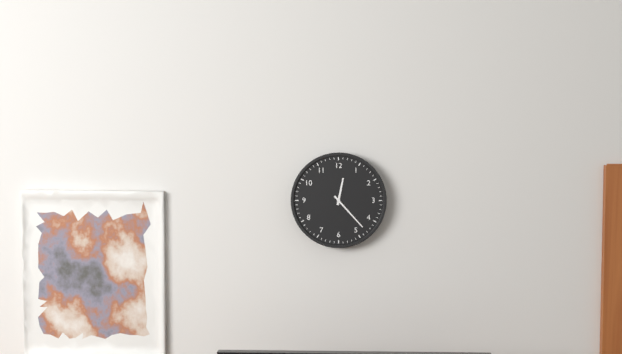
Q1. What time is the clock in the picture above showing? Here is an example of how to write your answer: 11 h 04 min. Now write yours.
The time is 12 h 23 min
